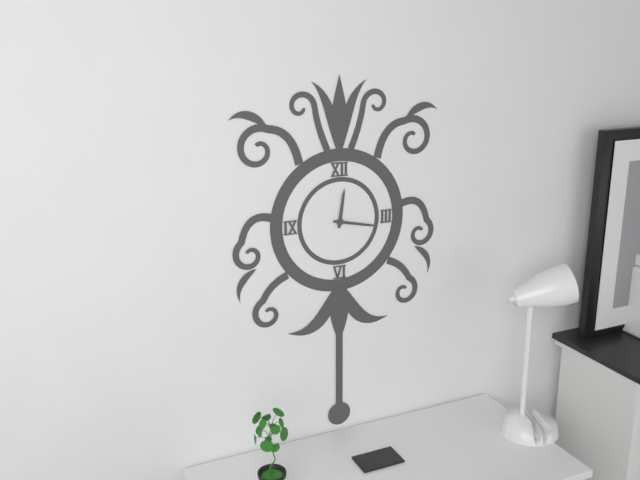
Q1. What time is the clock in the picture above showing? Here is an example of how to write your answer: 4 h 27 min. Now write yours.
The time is 12 h 17 min
